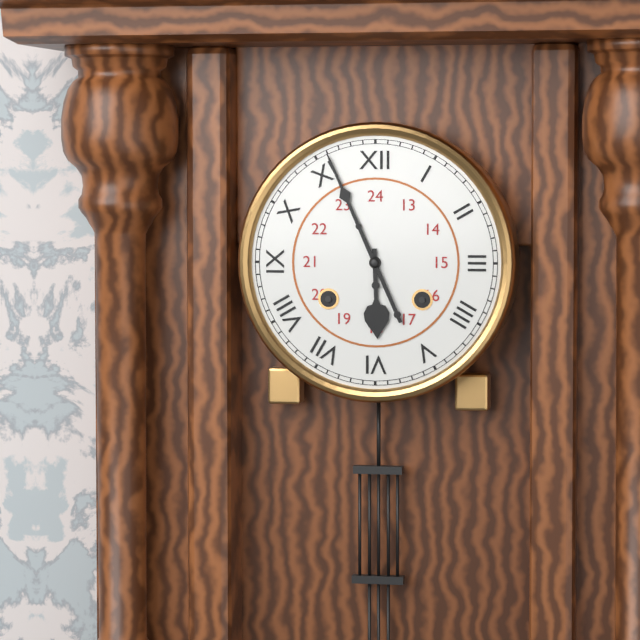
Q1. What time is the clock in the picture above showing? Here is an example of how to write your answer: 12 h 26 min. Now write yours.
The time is 5 h 56 min
